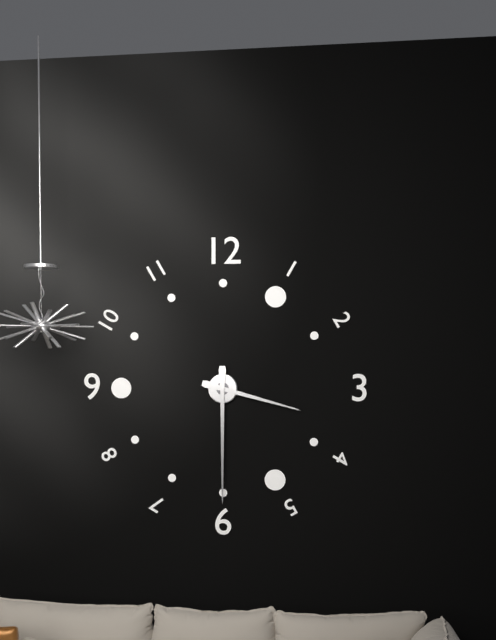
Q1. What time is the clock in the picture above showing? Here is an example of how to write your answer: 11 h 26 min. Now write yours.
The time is 3 h 30 min
